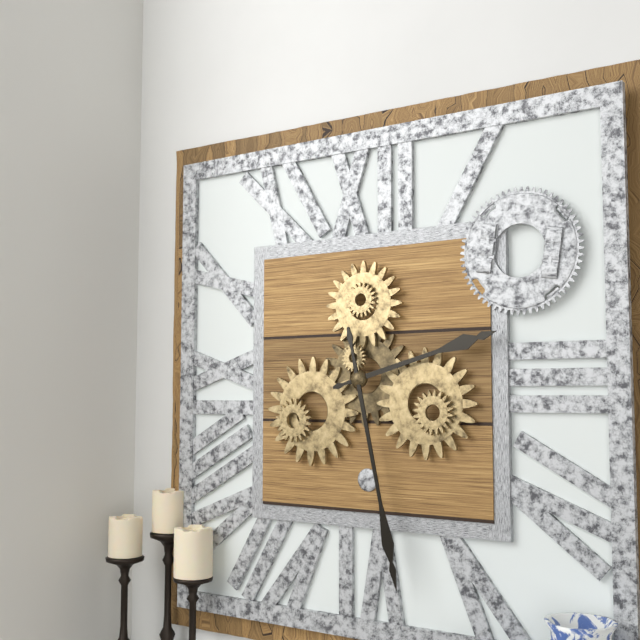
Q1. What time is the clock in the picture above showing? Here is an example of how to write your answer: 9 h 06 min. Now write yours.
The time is 2 h 28 min
